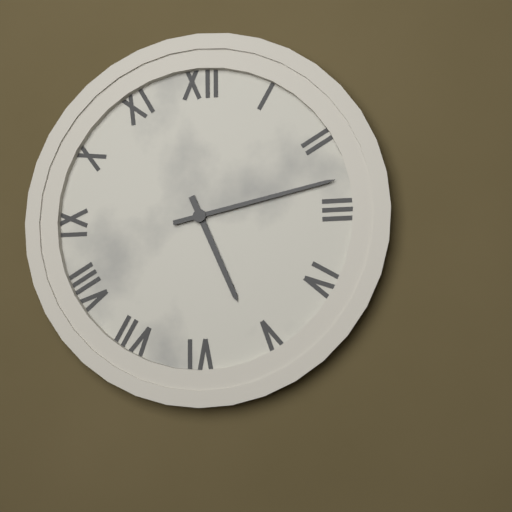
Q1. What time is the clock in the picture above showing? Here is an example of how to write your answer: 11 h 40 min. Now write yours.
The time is 5 h 13 min
